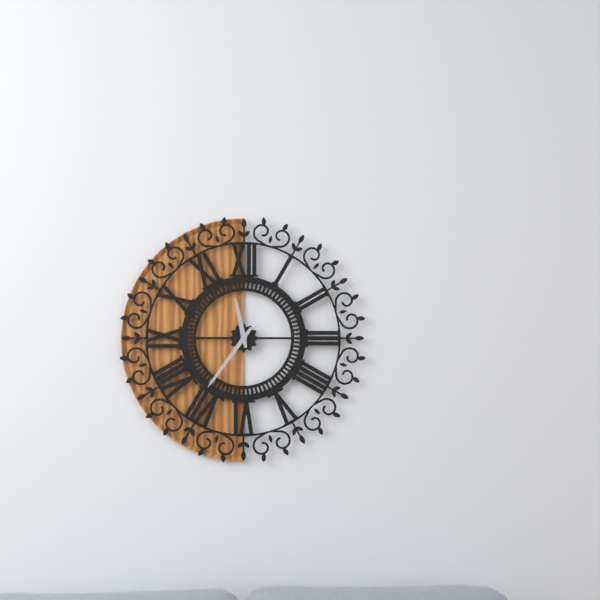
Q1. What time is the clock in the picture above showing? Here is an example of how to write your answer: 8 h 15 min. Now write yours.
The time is 11 h 36 min
